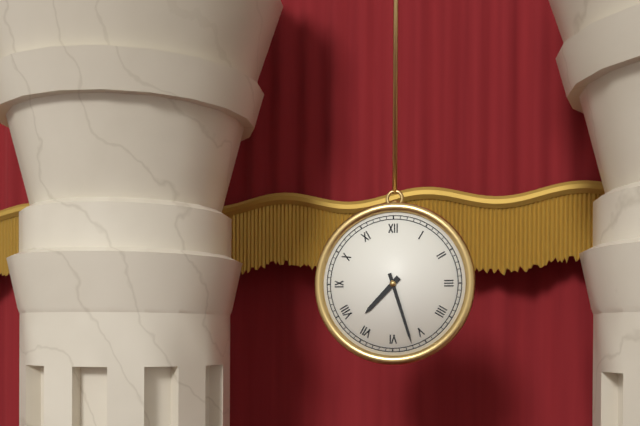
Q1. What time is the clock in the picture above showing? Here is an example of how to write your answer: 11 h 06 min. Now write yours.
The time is 7 h 27 min
